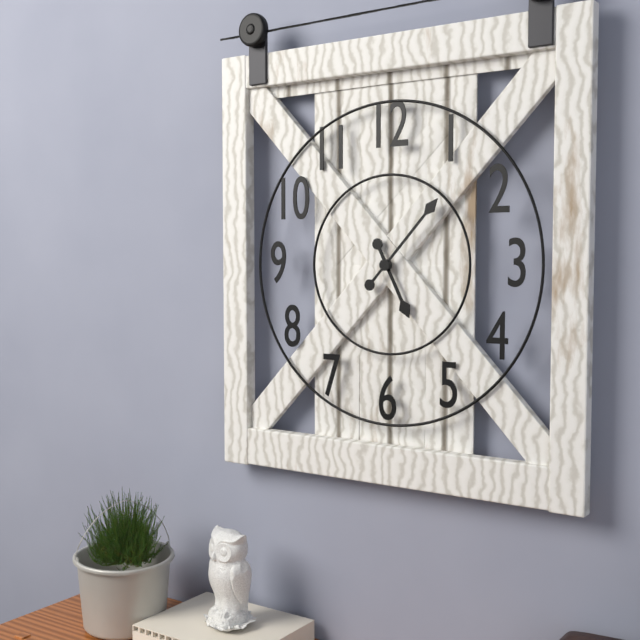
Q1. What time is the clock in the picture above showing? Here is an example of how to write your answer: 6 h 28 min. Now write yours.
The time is 5 h 07 min
